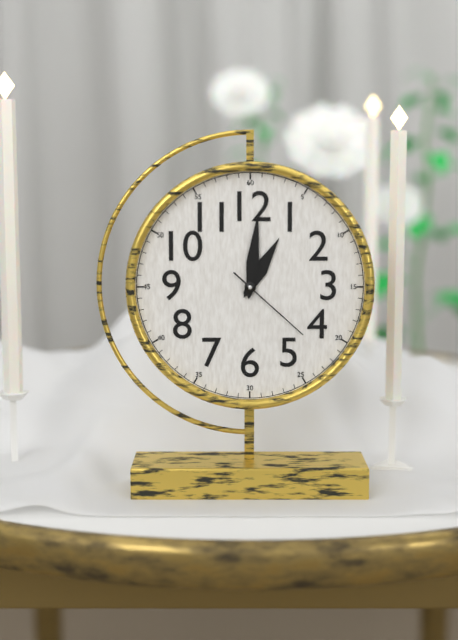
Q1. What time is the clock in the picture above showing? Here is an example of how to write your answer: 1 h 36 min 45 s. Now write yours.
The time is 1 h 01 min 22 s
